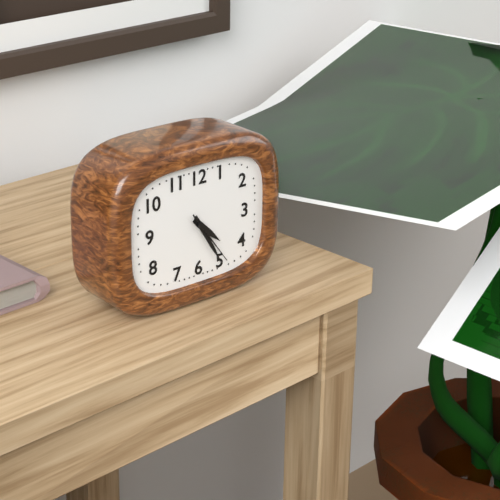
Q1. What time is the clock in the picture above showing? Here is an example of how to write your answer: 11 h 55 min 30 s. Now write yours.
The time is 4 h 25 min 24 s
